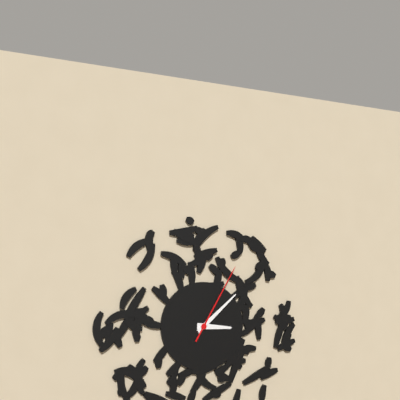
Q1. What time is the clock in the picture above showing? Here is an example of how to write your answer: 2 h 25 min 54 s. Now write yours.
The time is 3 h 08 min 05 s
